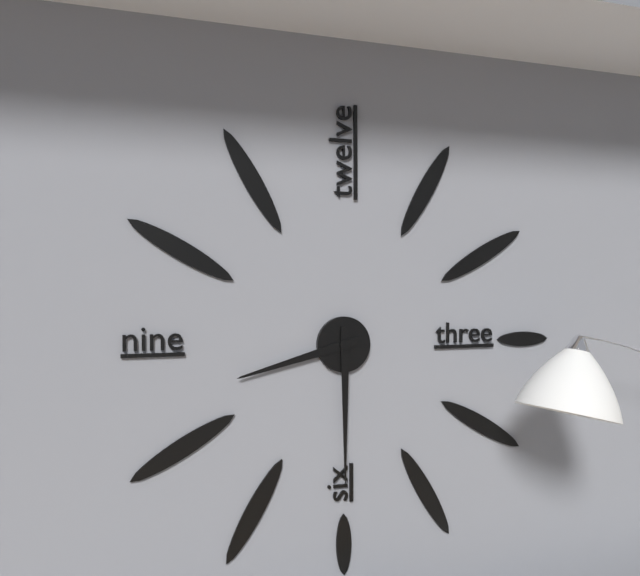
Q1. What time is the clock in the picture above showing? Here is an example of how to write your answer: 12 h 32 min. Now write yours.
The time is 8 h 30 min
